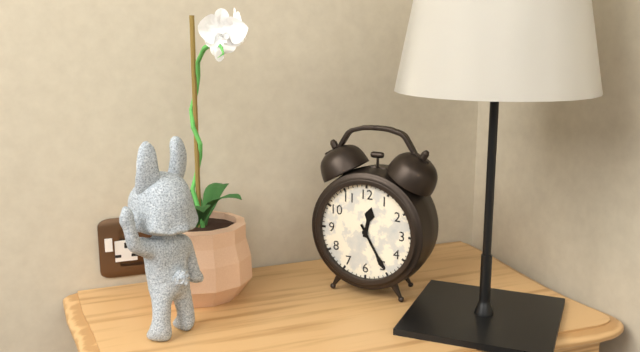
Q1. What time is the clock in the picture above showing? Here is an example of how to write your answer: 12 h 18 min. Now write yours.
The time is 12 h 25 min
